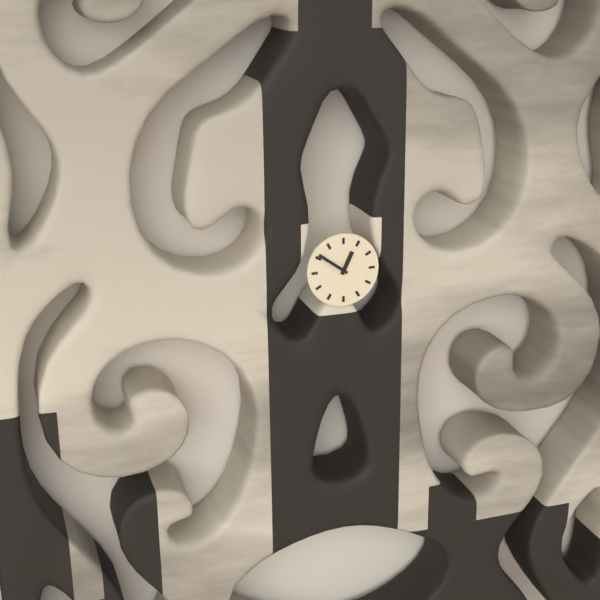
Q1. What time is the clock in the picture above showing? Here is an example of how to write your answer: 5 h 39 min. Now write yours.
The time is 12 h 51 min
